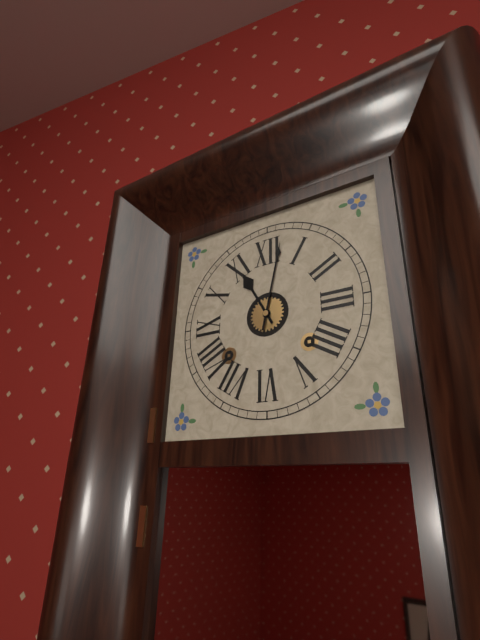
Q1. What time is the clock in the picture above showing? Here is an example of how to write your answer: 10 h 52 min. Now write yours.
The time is 11 h 02 min
